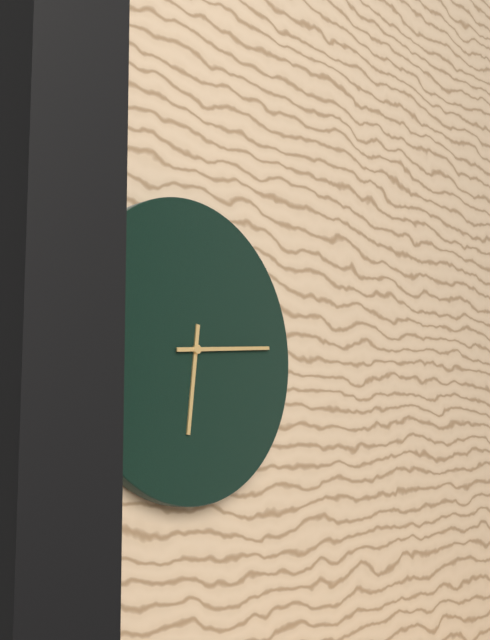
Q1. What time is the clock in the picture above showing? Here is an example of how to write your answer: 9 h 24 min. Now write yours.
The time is 6 h 14 min
